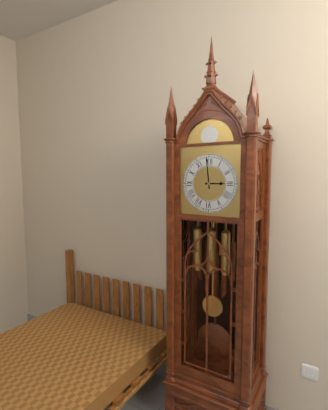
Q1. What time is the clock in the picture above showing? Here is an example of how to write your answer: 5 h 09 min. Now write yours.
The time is 2 h 59 min
